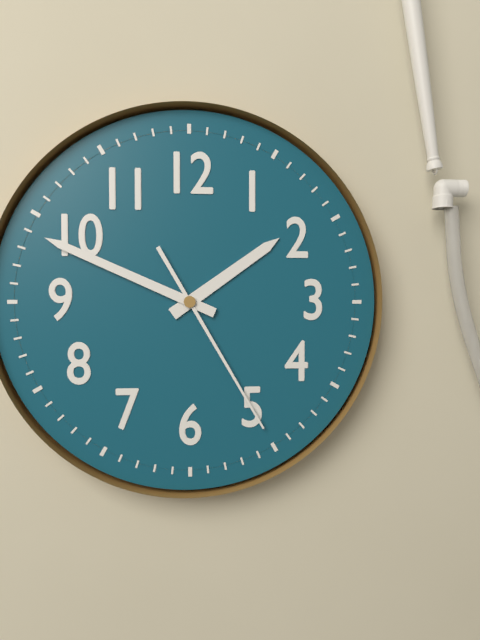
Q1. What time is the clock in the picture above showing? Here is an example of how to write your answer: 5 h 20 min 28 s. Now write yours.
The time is 1 h 49 min 25 s
